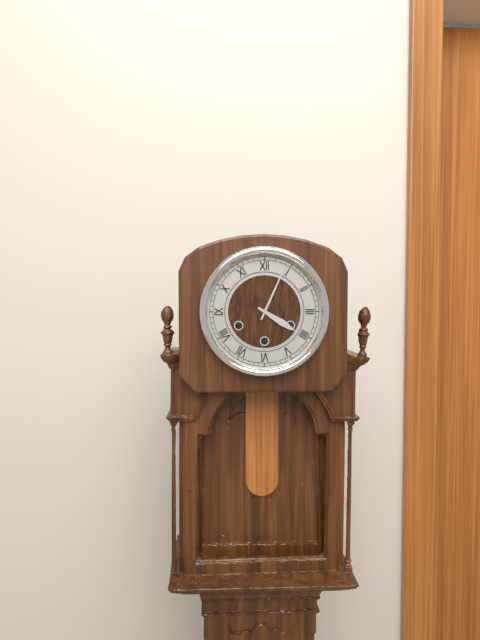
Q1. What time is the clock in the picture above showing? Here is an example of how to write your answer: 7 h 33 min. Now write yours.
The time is 4 h 04 min
